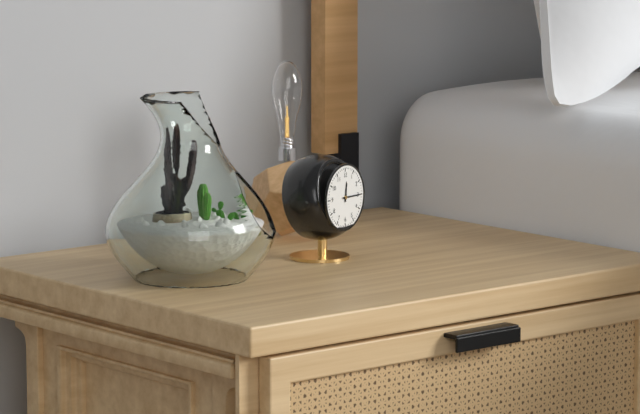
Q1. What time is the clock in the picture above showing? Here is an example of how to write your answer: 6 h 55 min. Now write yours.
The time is 12 h 15 min
